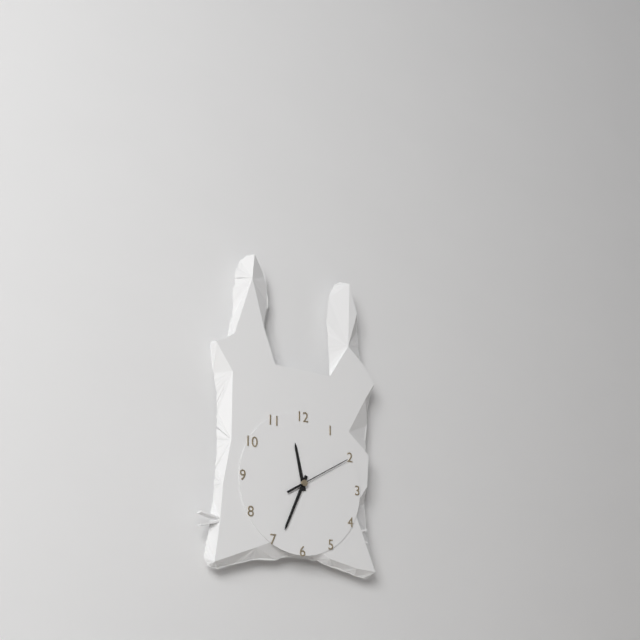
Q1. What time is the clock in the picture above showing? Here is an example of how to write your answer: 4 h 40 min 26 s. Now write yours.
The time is 11 h 34 min 10 s
